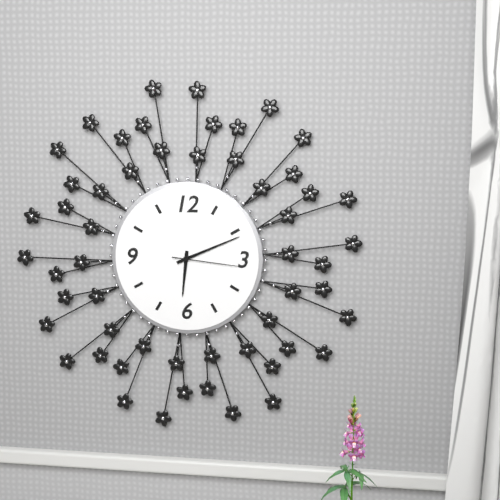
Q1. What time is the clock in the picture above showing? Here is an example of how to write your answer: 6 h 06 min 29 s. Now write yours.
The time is 6 h 11 min 16 s
